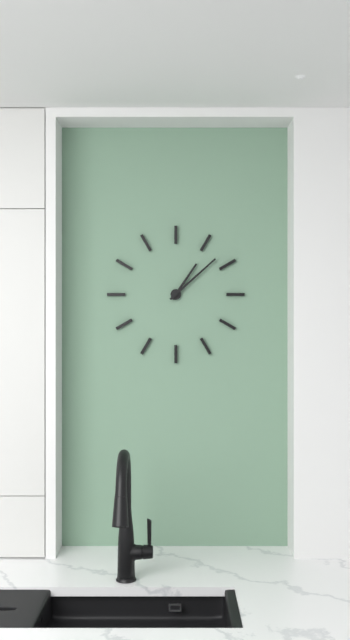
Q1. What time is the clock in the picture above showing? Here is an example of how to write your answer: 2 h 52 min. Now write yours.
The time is 1 h 08 min
